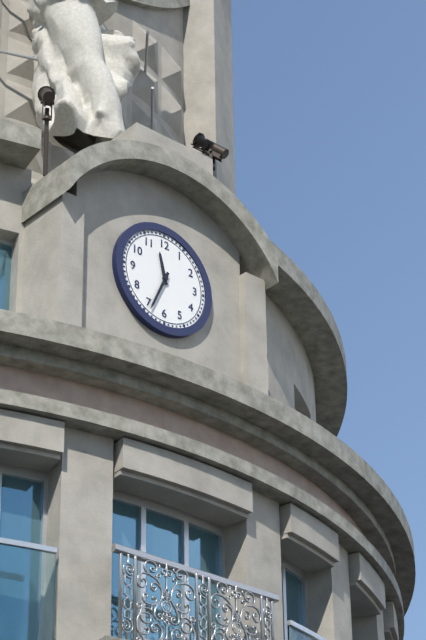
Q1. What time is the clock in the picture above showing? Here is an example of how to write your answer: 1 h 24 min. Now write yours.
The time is 11 h 34 min
